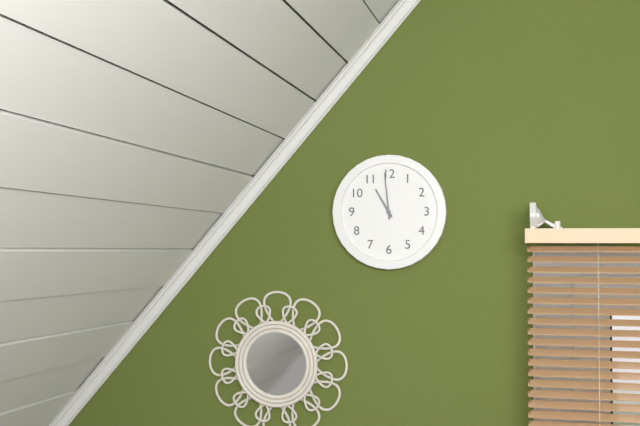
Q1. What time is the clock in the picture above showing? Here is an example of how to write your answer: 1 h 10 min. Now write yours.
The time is 10 h 59 min
